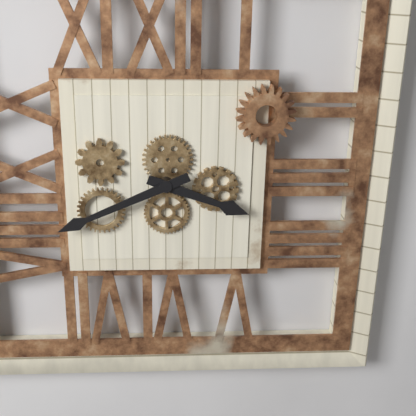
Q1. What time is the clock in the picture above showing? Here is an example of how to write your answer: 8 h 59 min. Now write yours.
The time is 3 h 41 min
